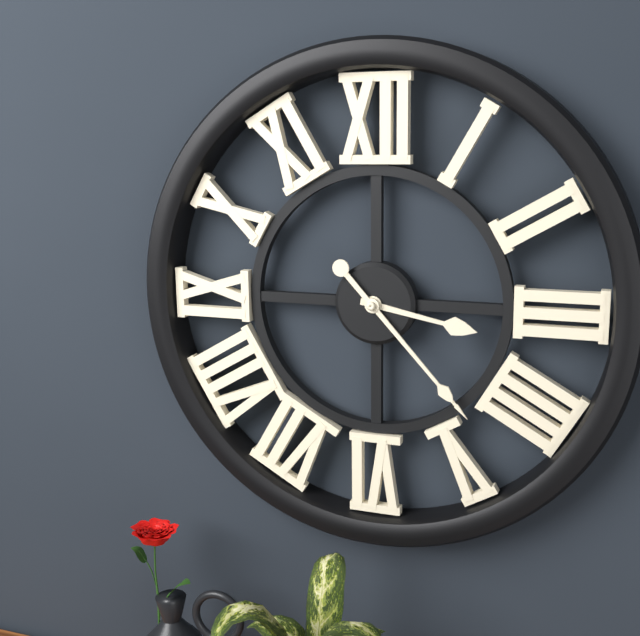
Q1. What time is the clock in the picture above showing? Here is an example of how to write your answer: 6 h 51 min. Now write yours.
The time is 3 h 23 min
